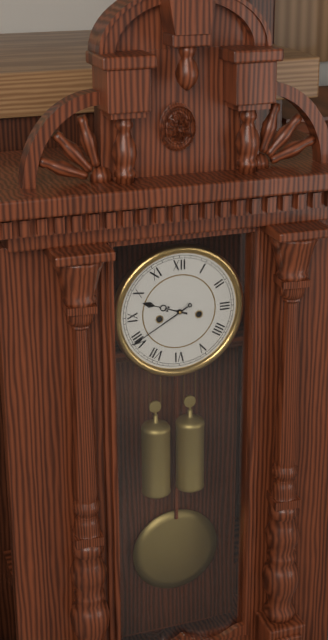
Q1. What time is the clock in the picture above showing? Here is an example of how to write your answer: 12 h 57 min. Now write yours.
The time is 9 h 40 min
